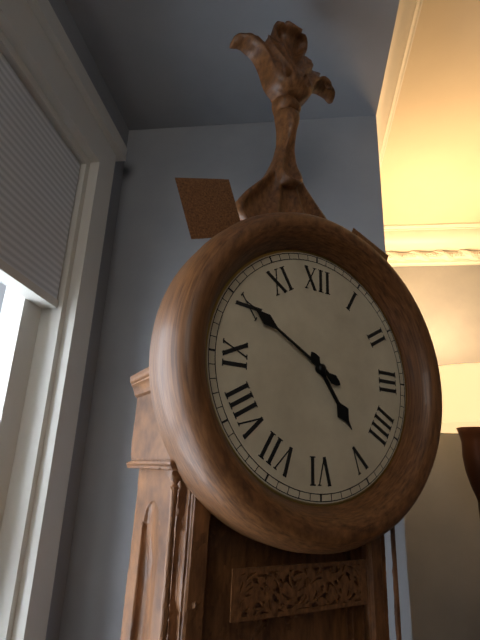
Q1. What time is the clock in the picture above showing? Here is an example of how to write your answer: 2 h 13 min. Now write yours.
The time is 4 h 50 min
